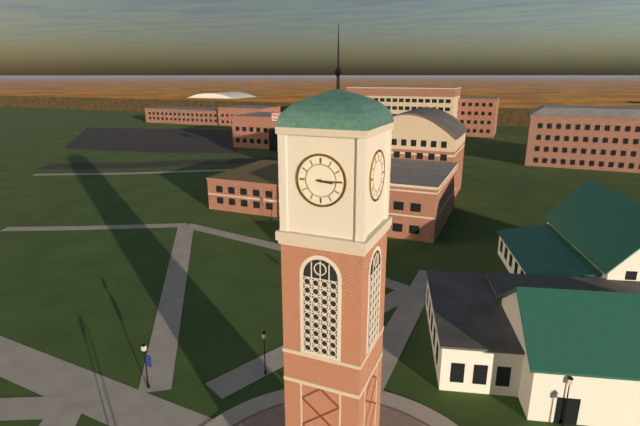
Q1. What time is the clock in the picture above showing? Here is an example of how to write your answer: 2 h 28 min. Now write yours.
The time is 3 h 15 min
